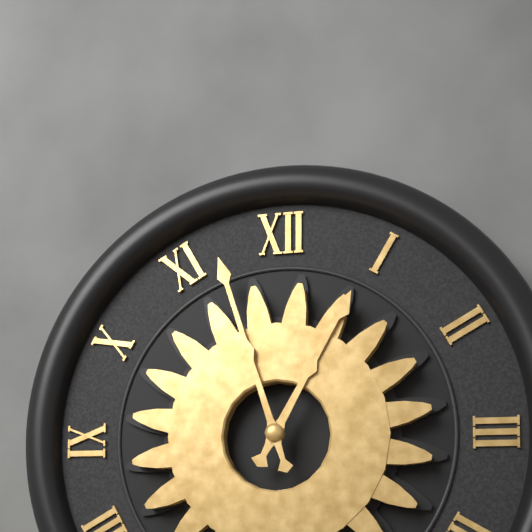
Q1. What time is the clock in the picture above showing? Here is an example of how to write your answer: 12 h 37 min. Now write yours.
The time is 12 h 57 min
